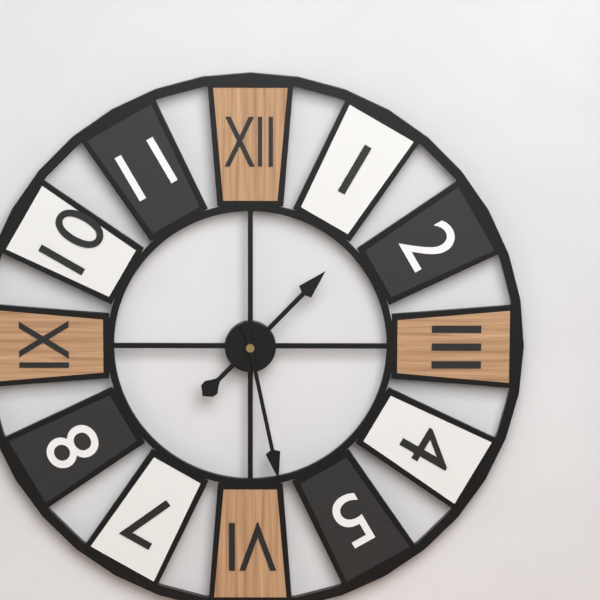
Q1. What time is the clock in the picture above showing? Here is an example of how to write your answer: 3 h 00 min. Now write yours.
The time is 1 h 28 min
